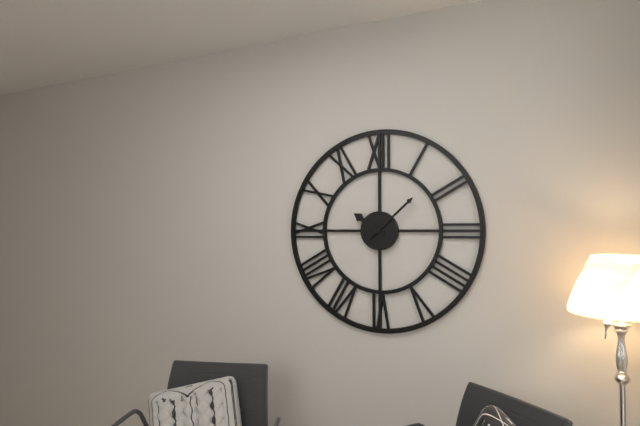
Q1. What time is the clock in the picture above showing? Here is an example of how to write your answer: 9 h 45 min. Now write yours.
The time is 10 h 08 min
